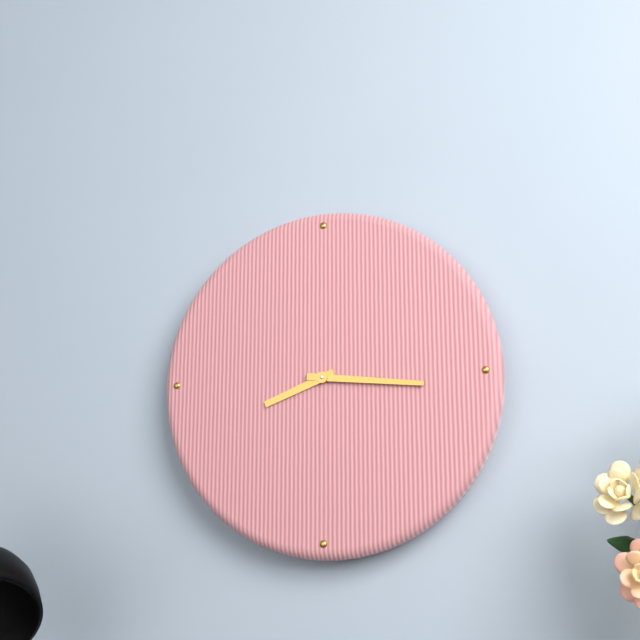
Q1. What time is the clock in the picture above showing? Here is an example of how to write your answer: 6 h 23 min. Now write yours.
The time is 8 h 16 min
